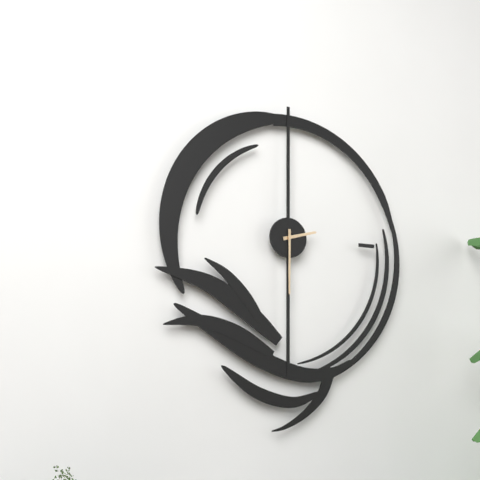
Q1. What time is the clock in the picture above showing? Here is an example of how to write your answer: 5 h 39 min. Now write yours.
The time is 2 h 30 min
